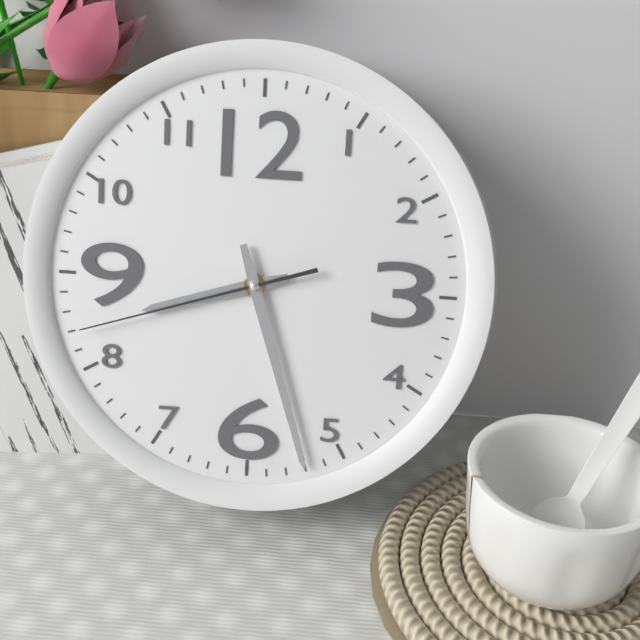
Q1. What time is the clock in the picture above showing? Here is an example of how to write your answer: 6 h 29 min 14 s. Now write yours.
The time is 8 h 27 min 42 s
